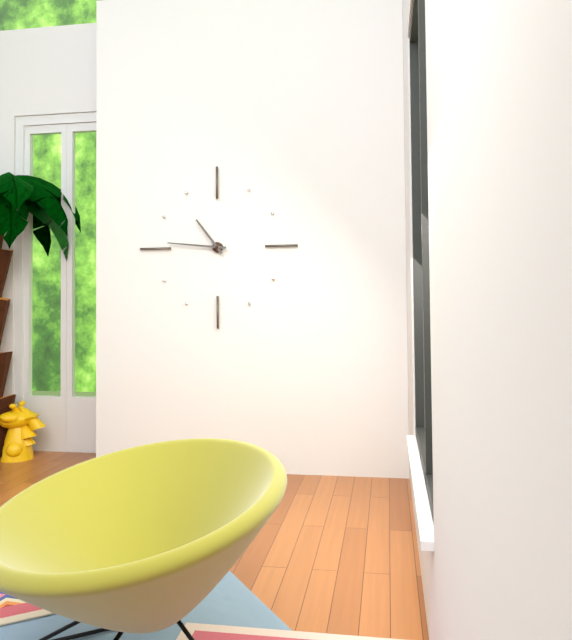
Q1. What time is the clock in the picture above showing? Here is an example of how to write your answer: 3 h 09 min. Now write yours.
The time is 10 h 46 min
